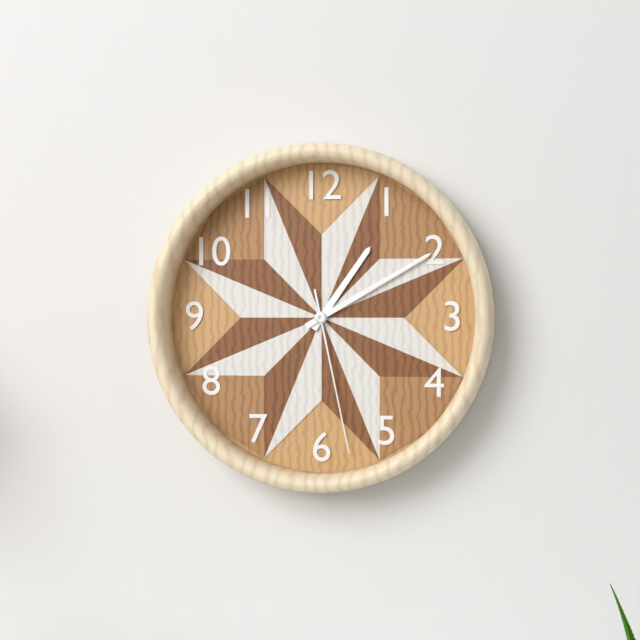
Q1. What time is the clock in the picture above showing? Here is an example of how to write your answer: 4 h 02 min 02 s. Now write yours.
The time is 1 h 10 min 28 s
